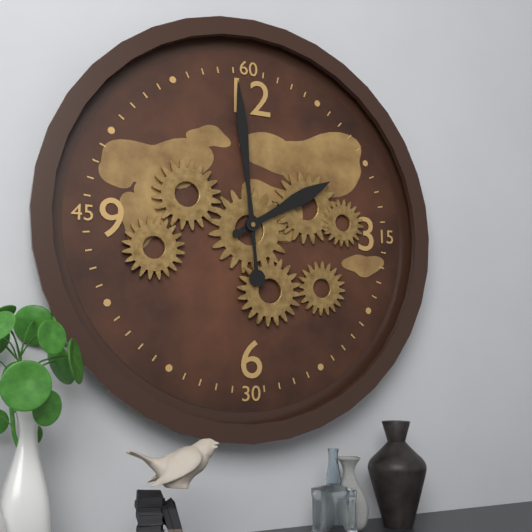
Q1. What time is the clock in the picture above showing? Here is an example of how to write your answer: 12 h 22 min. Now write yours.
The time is 1 h 59 min
